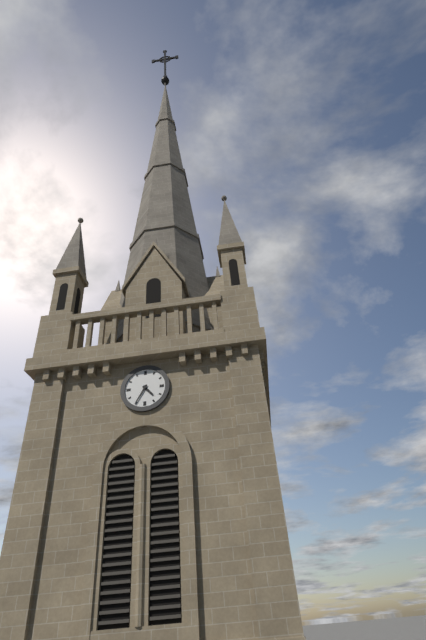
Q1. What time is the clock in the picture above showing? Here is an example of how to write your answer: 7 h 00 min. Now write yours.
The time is 4 h 35 min
